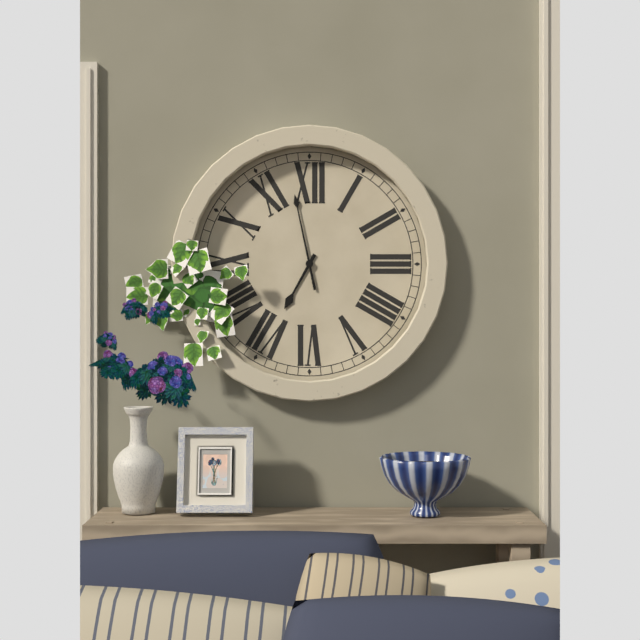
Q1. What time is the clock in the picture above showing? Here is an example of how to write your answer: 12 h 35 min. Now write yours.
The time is 6 h 58 min
